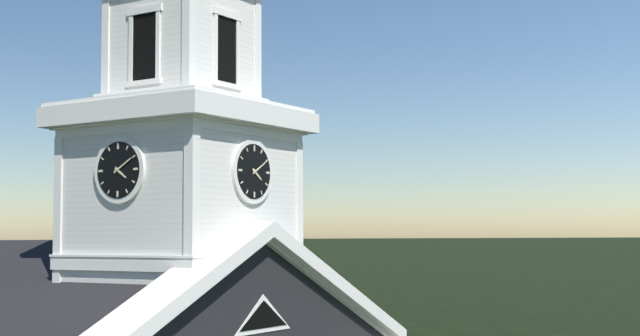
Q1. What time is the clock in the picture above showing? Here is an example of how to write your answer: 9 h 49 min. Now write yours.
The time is 4 h 10 min
